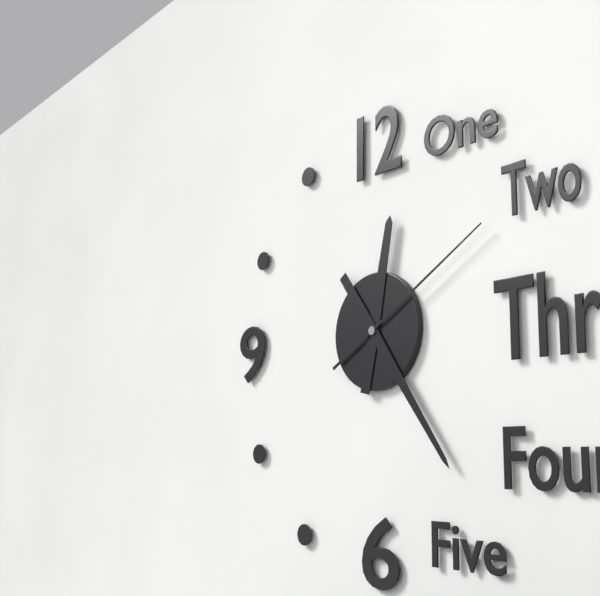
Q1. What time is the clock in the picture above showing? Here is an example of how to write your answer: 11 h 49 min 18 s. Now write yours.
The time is 12 h 24 min 10 s
